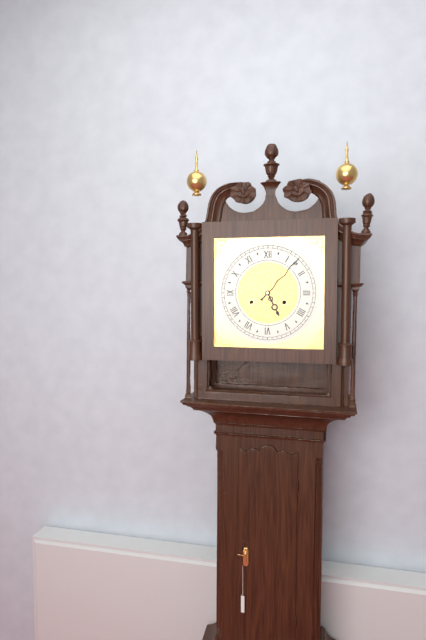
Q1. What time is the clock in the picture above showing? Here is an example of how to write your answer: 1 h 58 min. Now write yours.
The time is 5 h 07 min
